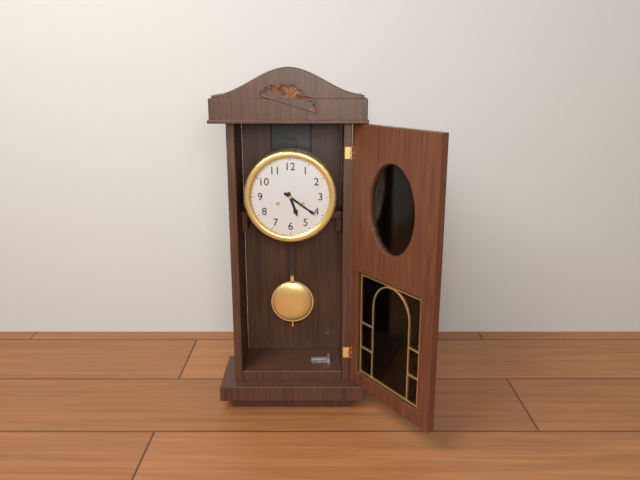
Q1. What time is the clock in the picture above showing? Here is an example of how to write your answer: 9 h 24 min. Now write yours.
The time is 5 h 21 min
